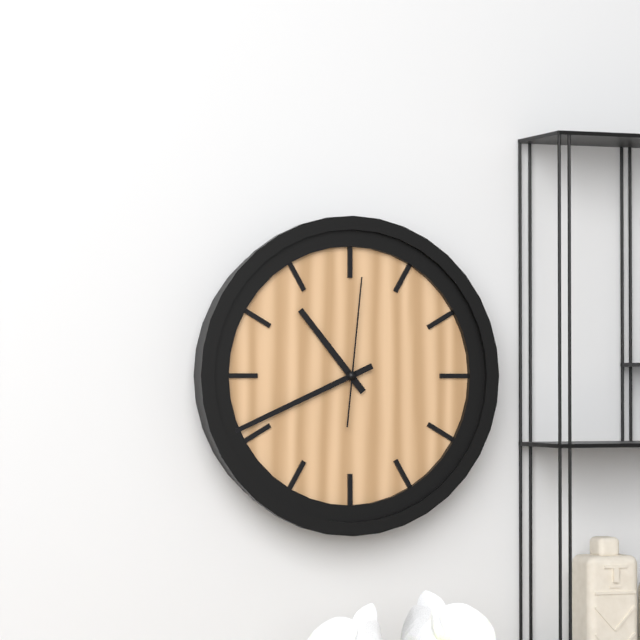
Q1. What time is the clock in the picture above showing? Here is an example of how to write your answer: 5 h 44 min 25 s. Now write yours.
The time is 10 h 41 min 01 s
